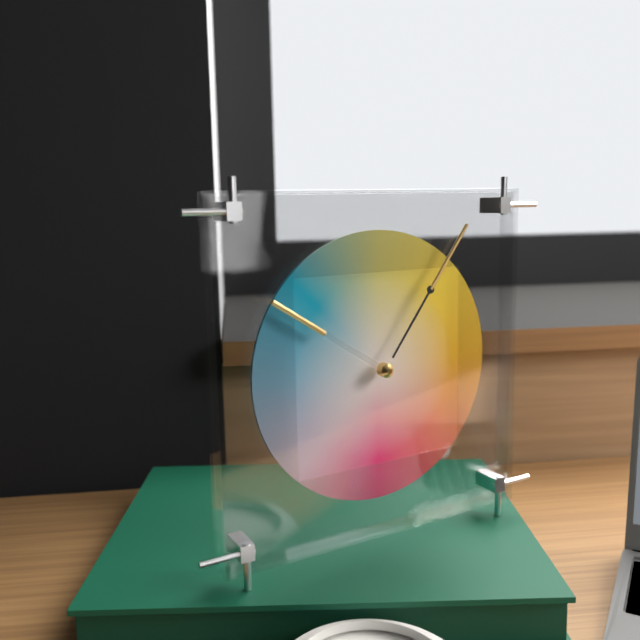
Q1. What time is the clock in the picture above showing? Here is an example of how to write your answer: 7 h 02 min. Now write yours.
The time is 10 h 06 min
